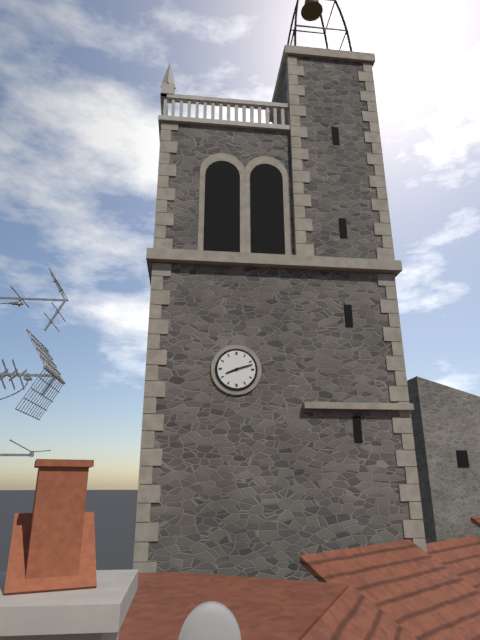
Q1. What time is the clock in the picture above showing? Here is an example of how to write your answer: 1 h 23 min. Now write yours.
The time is 8 h 12 min
